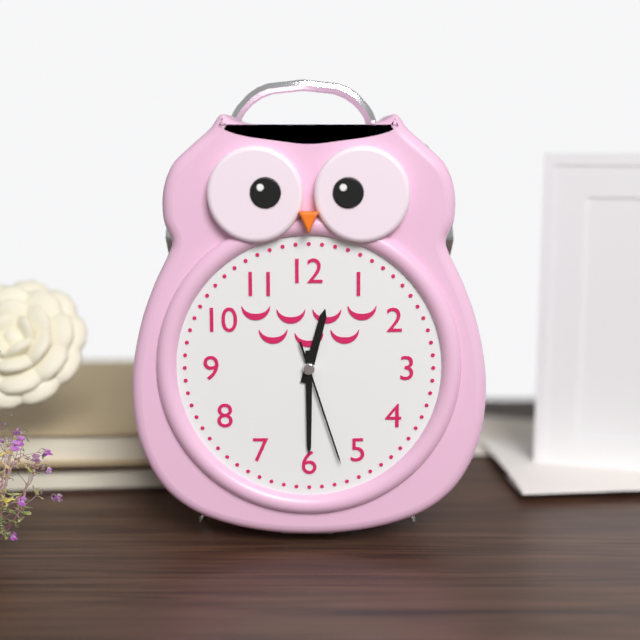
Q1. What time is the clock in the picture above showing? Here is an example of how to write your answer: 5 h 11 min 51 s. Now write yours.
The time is 12 h 30 min 27 s
